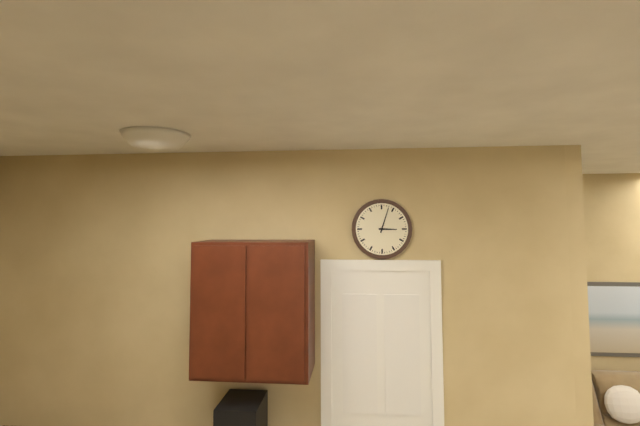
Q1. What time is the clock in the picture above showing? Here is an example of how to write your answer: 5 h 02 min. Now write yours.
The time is 3 h 03 min
